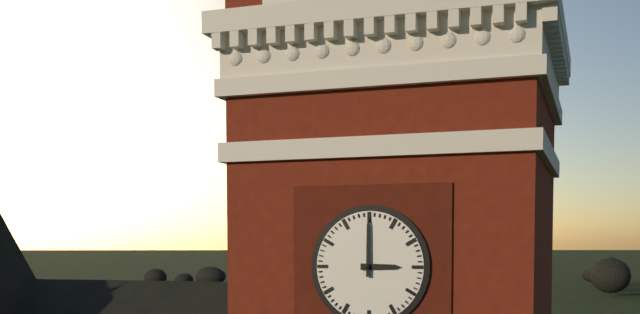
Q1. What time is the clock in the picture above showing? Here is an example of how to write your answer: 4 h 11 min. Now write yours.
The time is 3 h 00 min
